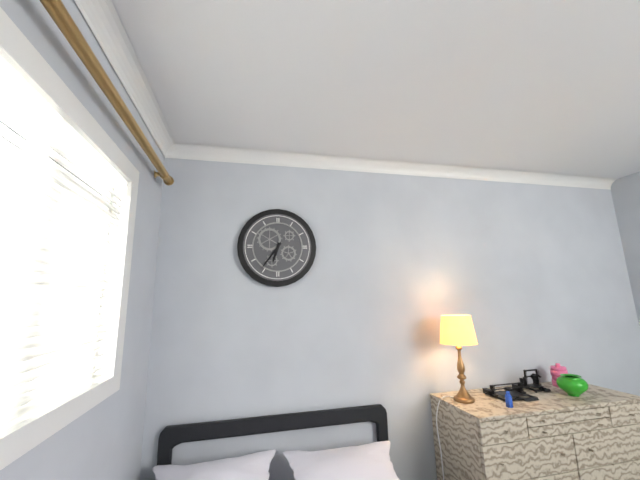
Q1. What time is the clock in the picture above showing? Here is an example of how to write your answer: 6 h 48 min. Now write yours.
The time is 6 h 36 min
